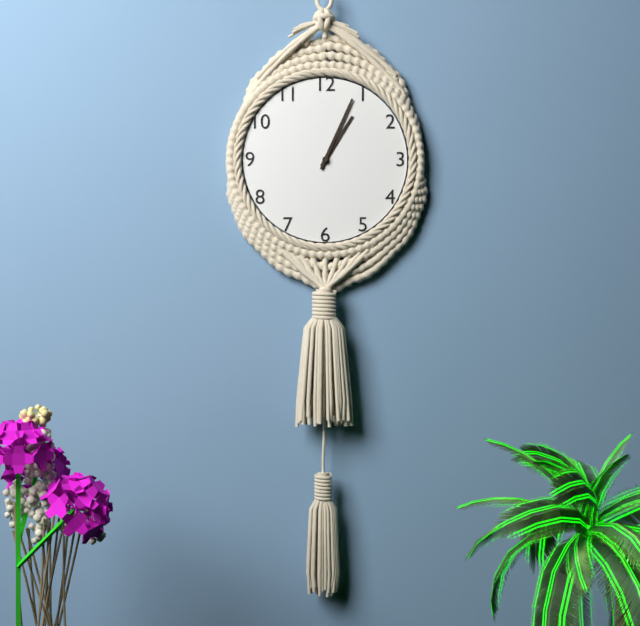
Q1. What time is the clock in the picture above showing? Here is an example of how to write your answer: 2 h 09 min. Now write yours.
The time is 1 h 04 min
